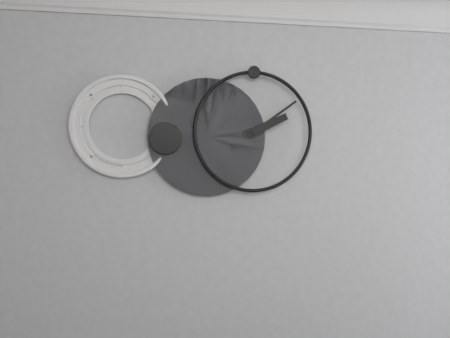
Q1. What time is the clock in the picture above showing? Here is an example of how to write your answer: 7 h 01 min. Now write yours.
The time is 2 h 09 min
